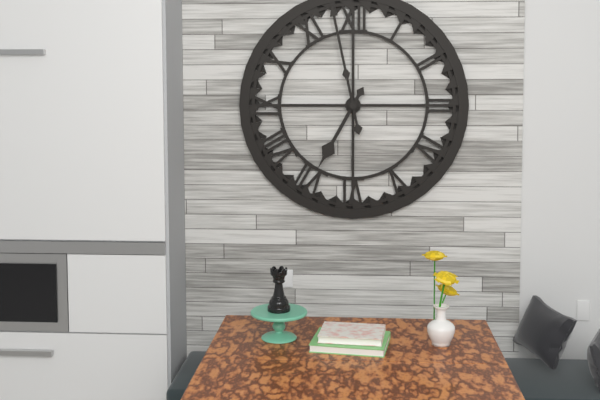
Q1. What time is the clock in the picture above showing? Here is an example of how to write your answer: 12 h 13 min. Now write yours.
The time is 6 h 58 min
